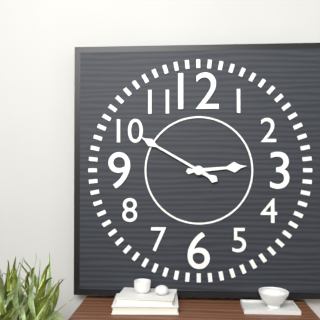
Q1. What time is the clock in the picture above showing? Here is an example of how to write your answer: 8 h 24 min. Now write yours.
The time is 2 h 50 min
